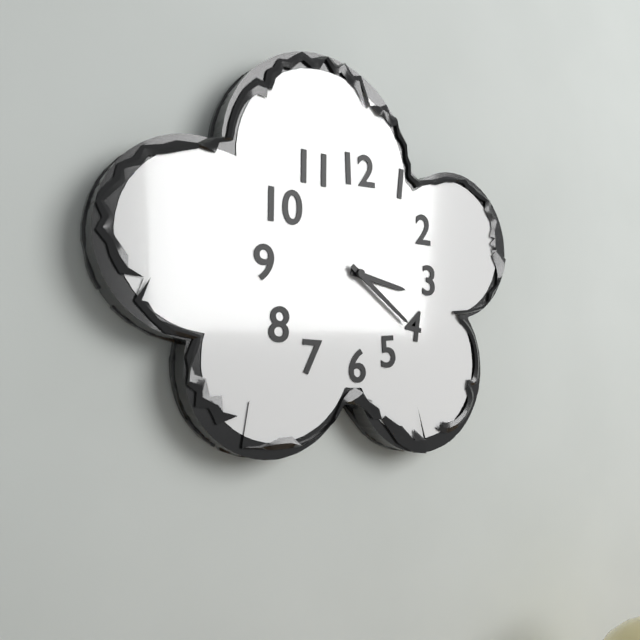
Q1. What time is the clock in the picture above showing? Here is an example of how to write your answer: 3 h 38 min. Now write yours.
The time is 3 h 21 min
